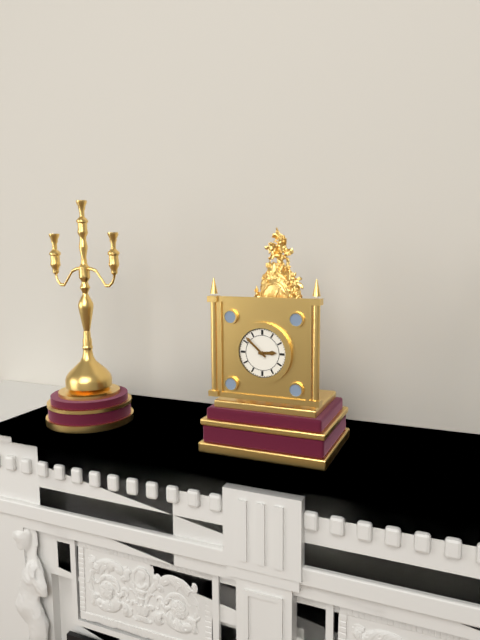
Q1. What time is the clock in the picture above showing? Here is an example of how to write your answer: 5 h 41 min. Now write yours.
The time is 2 h 52 min
